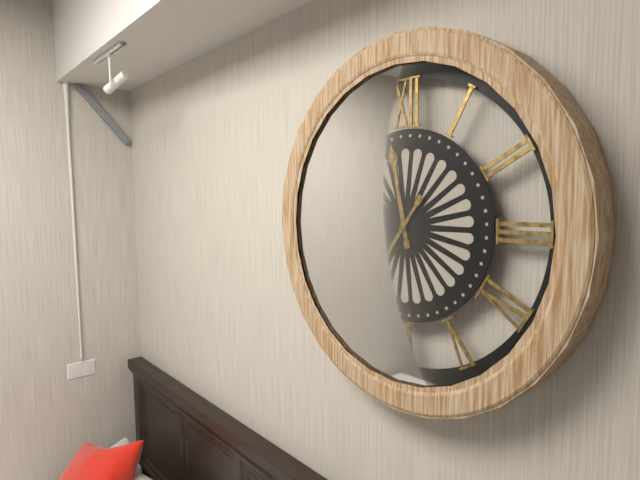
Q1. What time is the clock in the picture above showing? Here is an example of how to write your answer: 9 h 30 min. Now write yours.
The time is 11 h 36 min
